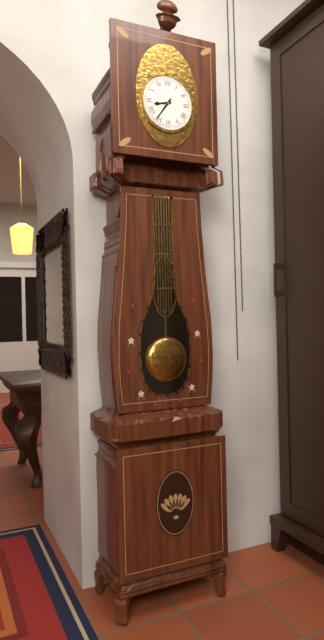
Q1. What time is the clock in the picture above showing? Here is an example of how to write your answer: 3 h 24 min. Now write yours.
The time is 8 h 36 min
